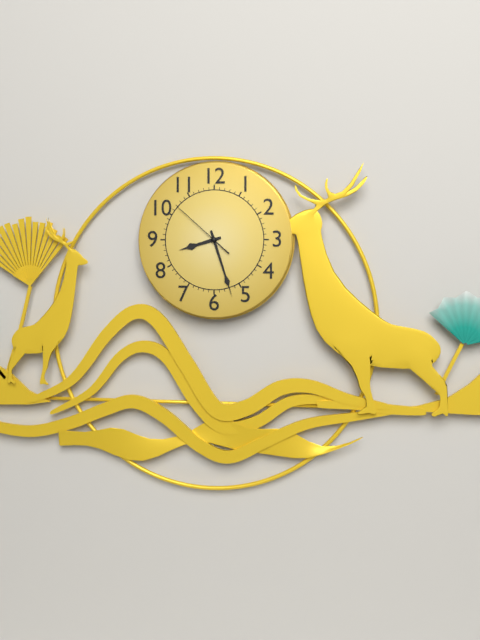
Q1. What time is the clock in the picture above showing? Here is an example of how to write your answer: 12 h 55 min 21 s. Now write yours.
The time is 8 h 27 min 52 s
